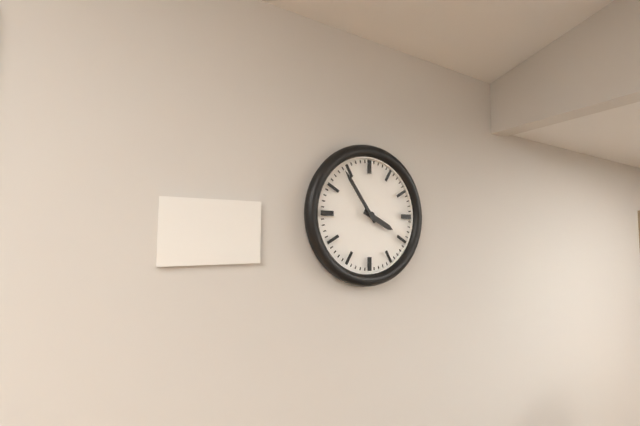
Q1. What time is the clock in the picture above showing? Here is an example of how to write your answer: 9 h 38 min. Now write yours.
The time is 3 h 54 min
